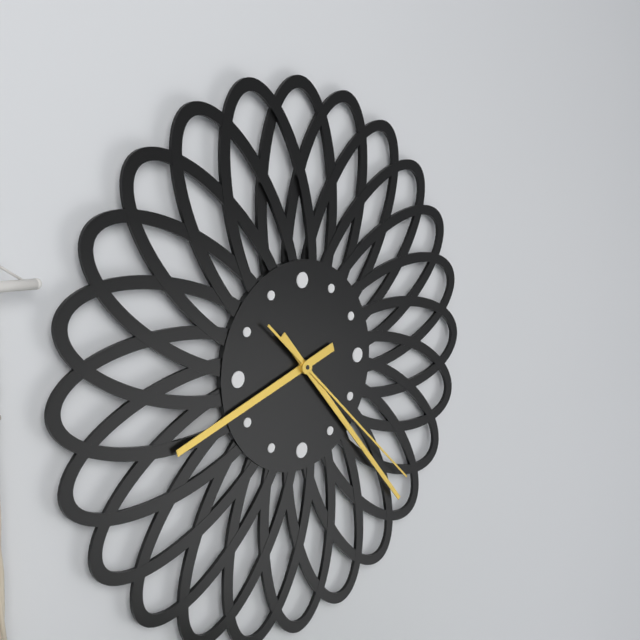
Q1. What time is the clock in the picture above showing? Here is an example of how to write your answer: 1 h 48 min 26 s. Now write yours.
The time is 8 h 23 min 22 s
